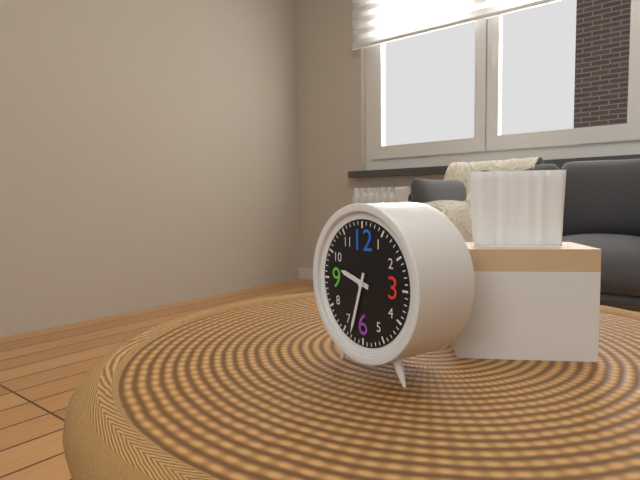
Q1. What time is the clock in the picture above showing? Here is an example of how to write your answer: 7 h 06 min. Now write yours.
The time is 9 h 33 min
